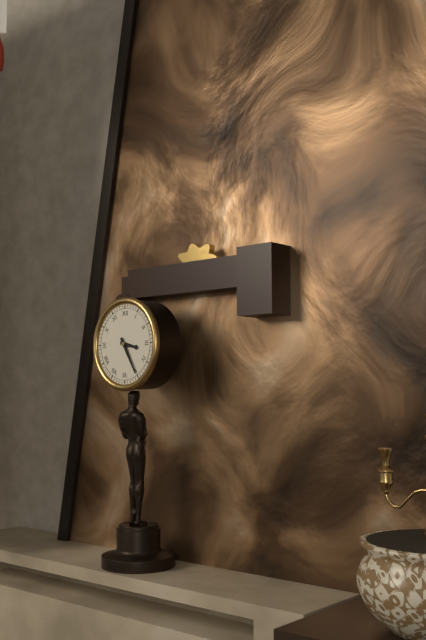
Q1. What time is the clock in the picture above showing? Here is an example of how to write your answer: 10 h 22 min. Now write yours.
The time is 3 h 25 min
